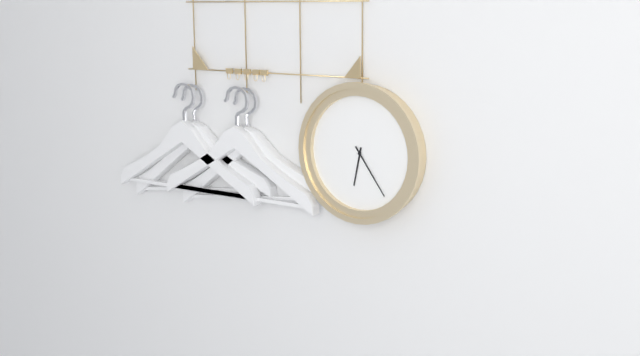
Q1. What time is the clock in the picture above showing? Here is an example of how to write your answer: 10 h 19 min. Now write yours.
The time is 6 h 24 min
